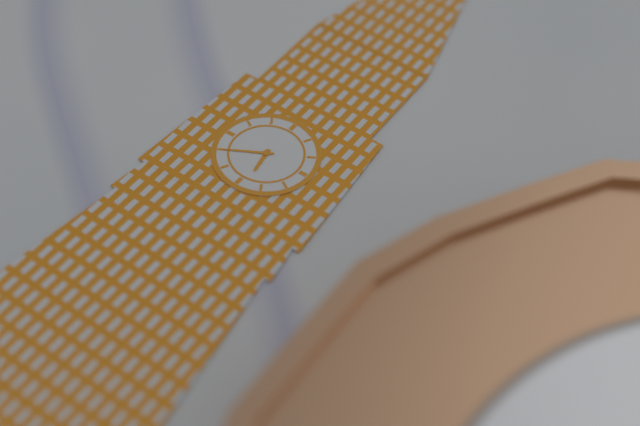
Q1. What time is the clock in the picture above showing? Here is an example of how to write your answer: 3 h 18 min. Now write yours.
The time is 5 h 40 min
